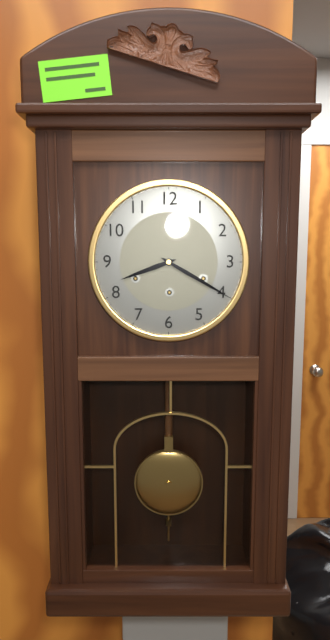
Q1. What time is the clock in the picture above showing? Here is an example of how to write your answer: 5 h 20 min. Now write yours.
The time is 8 h 20 min
